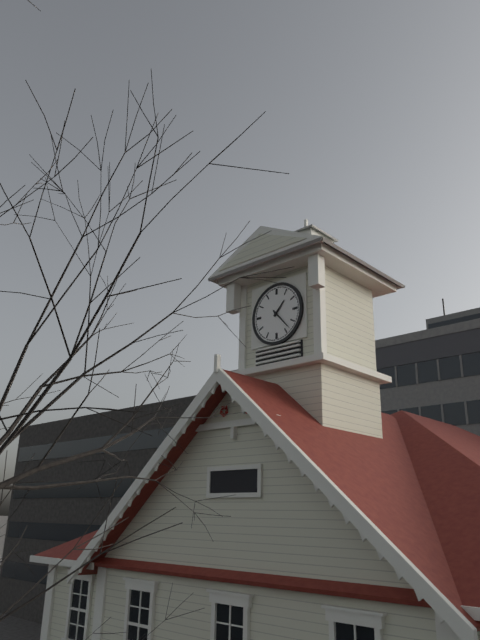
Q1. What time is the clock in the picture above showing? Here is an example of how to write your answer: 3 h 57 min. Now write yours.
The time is 1 h 23 min
